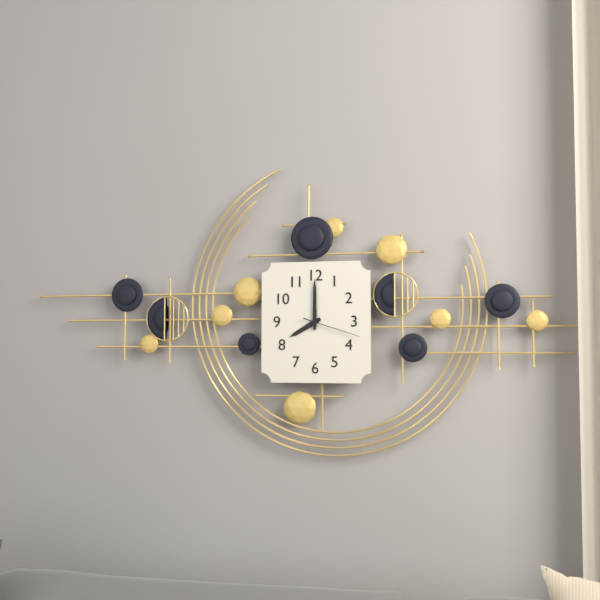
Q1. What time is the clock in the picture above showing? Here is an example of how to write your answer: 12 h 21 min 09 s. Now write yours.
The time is 8 h 00 min 18 s
